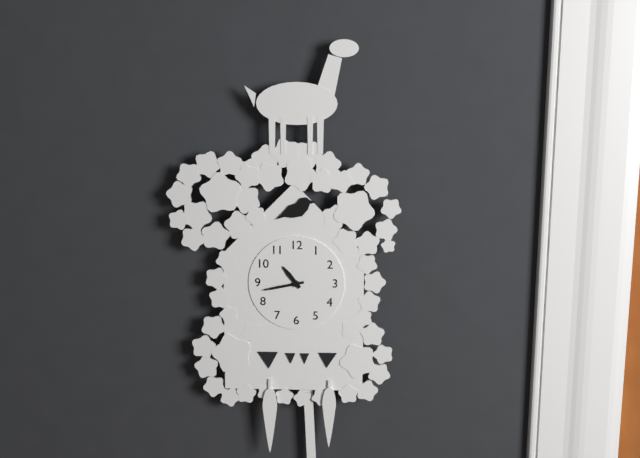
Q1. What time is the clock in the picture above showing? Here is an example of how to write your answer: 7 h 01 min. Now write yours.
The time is 10 h 43 min
